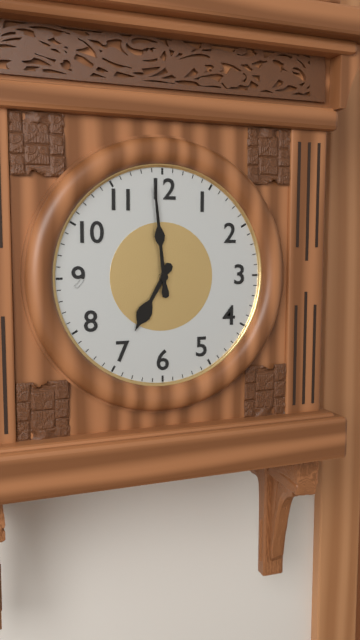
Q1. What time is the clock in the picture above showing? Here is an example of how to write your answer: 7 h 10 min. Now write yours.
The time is 6 h 59 min
